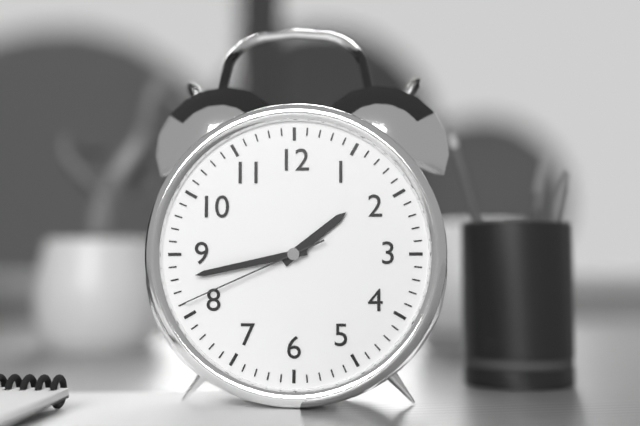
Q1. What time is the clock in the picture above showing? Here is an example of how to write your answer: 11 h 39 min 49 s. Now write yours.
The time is 1 h 43 min 41 s
